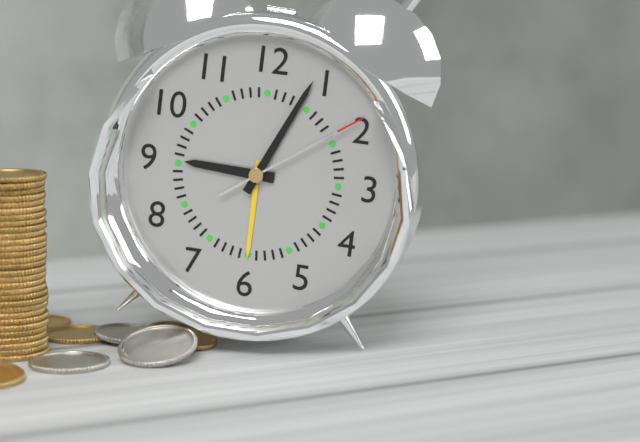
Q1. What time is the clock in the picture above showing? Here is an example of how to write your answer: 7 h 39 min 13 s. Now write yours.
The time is 9 h 04 min 09 s
